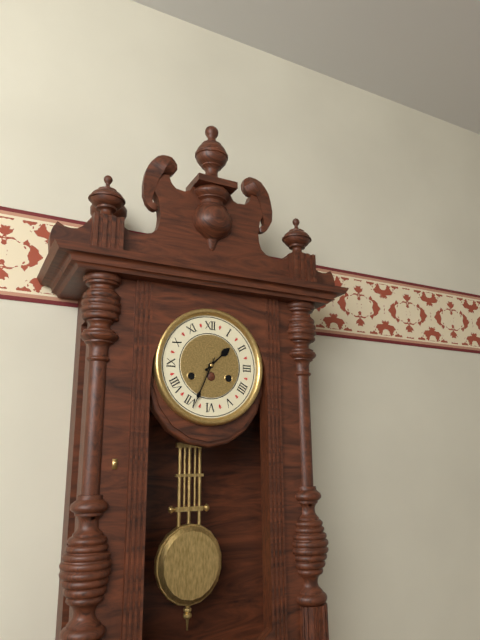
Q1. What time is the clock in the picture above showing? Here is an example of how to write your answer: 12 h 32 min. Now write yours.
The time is 1 h 34 min
